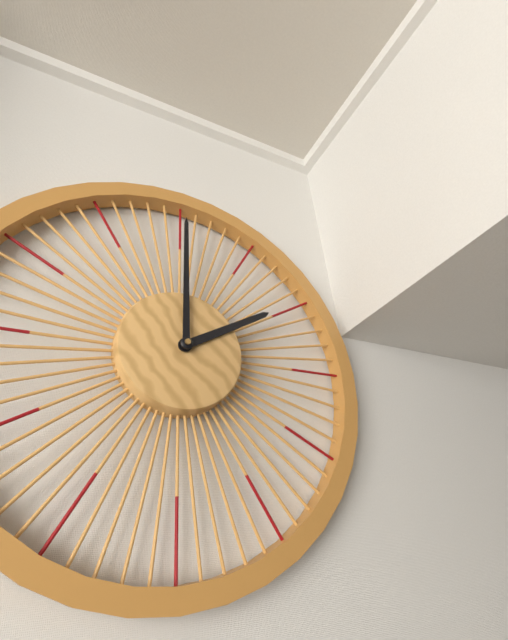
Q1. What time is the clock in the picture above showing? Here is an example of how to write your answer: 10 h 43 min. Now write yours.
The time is 2 h 00 min
